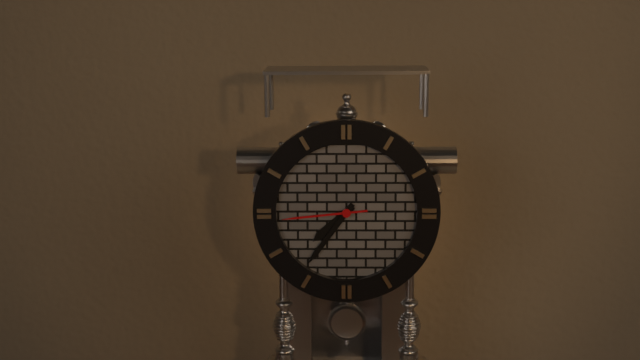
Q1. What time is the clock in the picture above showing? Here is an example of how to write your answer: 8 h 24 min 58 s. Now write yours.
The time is 7 h 36 min 44 s
